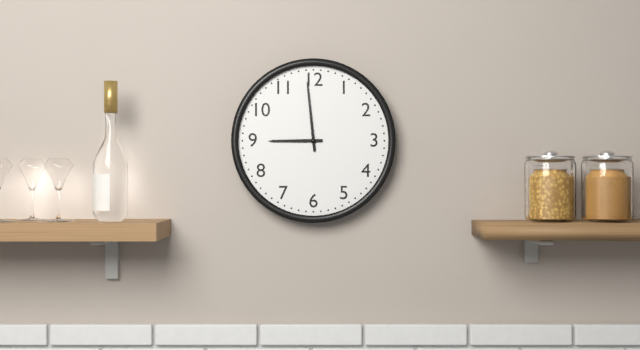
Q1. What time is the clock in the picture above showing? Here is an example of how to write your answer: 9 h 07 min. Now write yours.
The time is 8 h 59 min
